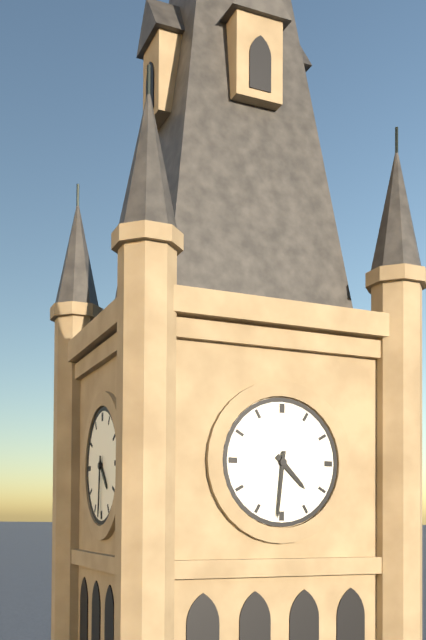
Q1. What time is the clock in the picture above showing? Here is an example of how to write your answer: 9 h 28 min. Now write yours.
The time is 4 h 31 min
